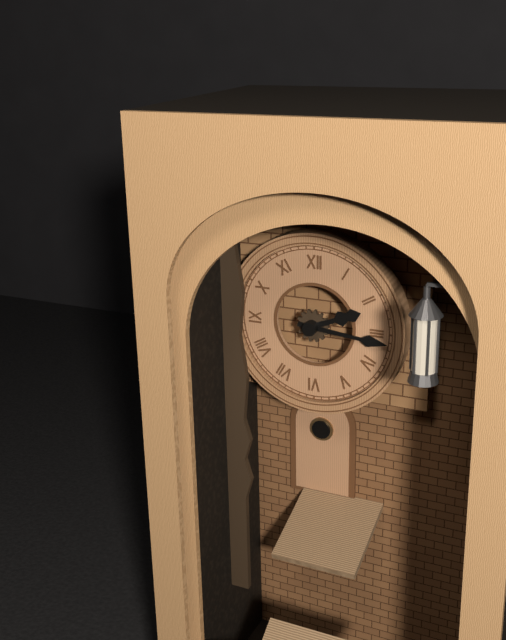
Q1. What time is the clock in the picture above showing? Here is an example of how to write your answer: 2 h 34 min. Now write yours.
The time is 2 h 16 min
